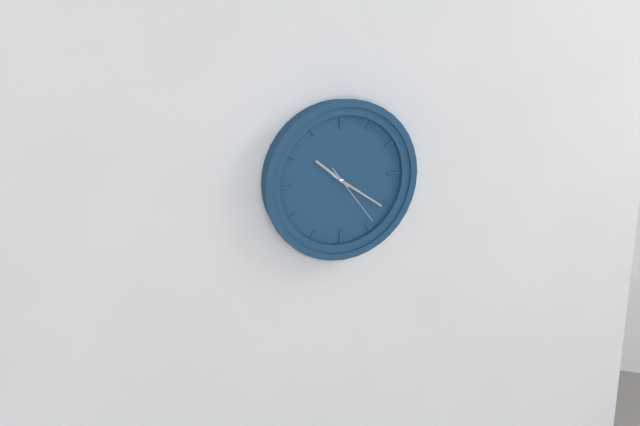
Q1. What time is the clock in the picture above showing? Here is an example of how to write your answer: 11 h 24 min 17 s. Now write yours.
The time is 10 h 21 min 24 s
